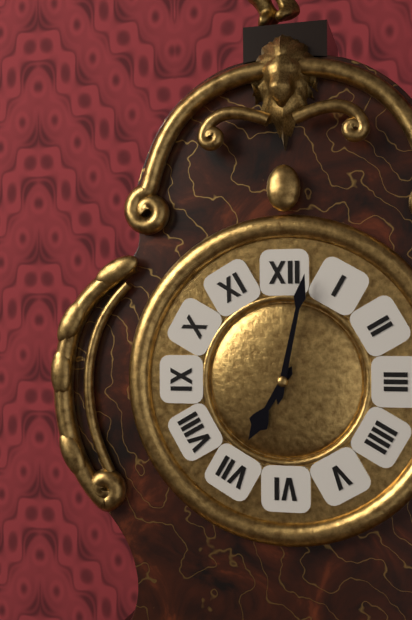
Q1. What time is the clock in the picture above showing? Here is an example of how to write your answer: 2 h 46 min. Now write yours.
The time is 7 h 02 min
